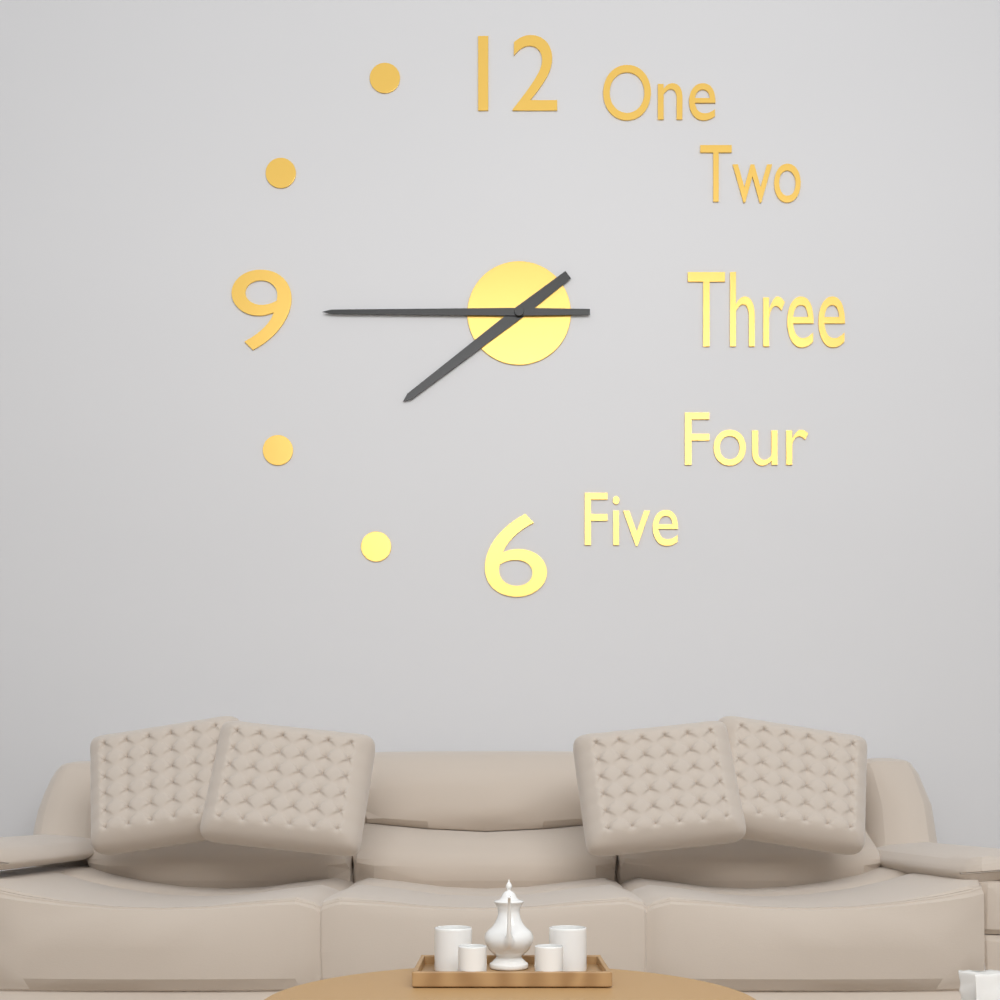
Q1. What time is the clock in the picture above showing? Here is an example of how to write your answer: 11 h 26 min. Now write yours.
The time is 7 h 45 min
